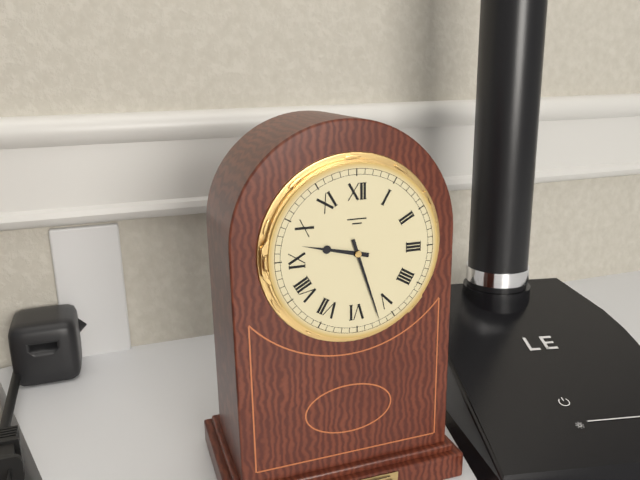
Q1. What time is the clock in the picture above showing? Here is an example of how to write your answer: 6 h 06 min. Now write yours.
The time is 9 h 27 min
